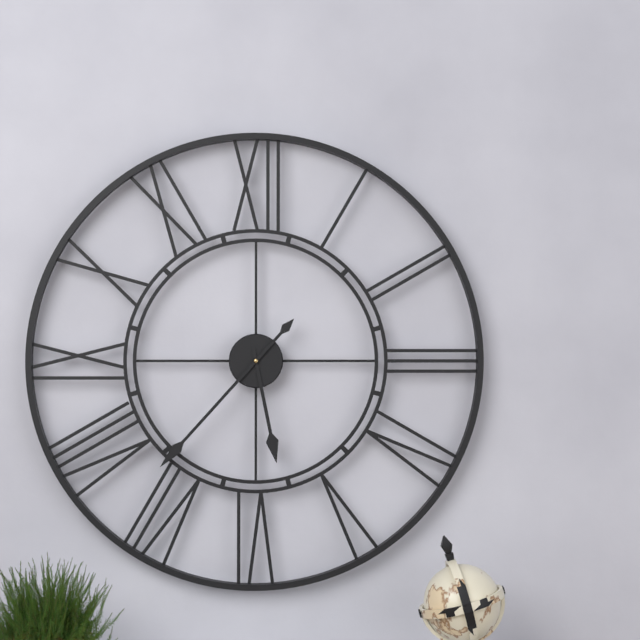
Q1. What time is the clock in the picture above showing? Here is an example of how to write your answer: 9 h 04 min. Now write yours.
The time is 5 h 37 min
